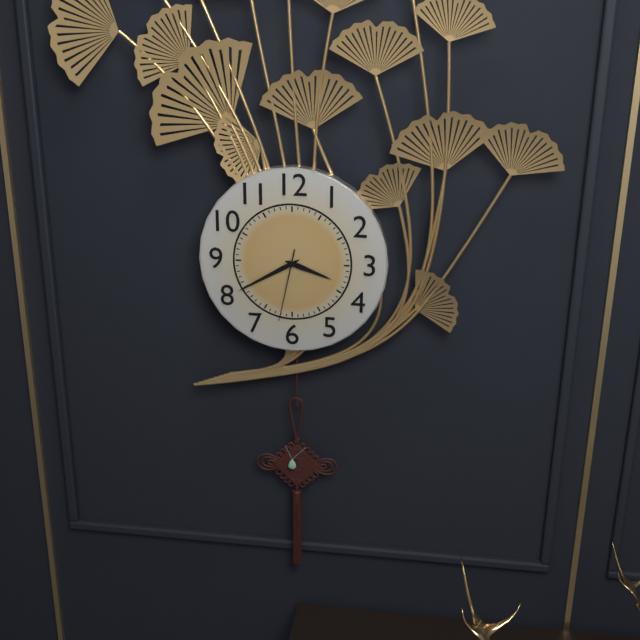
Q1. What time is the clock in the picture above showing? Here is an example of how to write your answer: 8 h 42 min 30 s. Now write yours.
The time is 3 h 40 min 32 s
